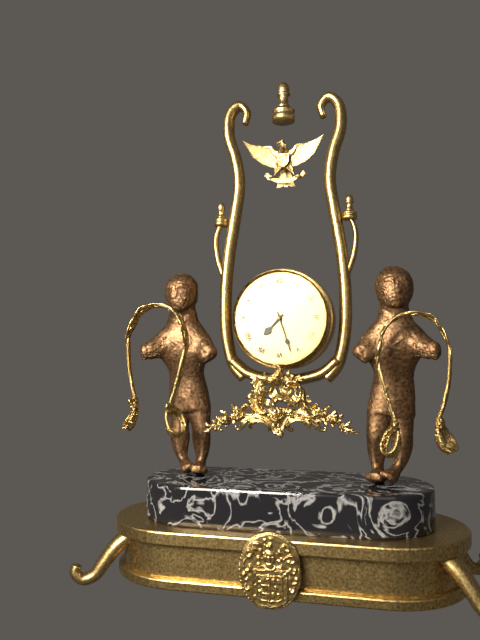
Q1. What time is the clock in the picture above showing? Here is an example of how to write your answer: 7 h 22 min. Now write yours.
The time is 7 h 27 min
